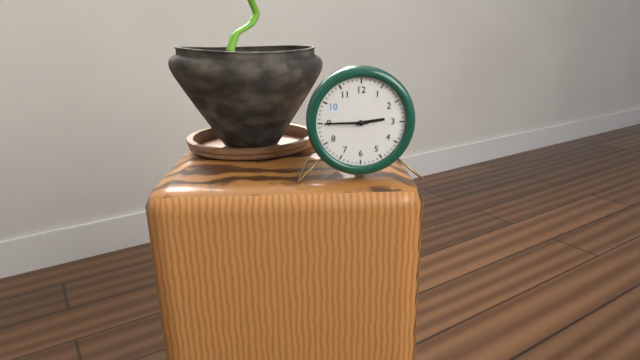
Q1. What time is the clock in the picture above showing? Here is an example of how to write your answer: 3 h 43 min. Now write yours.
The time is 2 h 45 min
